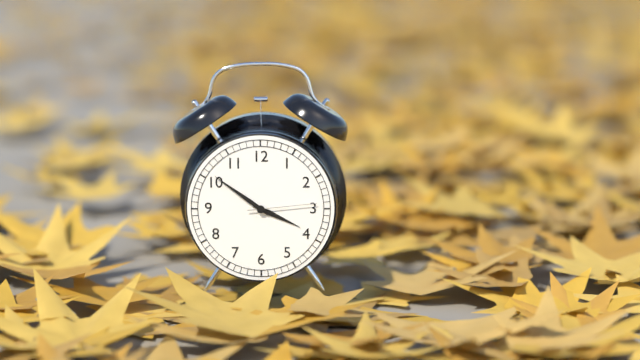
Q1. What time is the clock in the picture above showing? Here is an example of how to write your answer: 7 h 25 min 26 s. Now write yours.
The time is 3 h 51 min 14 s
